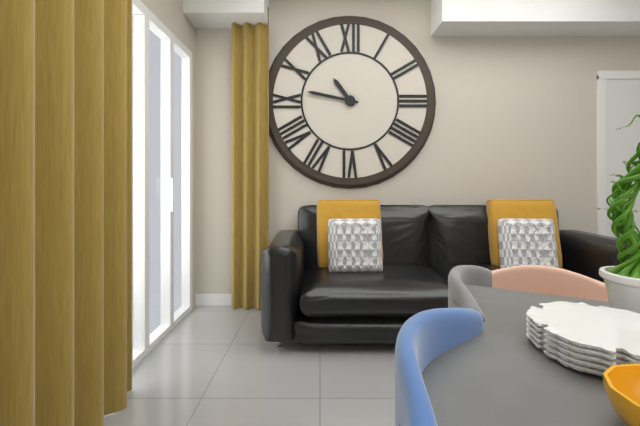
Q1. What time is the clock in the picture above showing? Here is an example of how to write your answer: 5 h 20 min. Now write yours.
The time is 10 h 47 min
